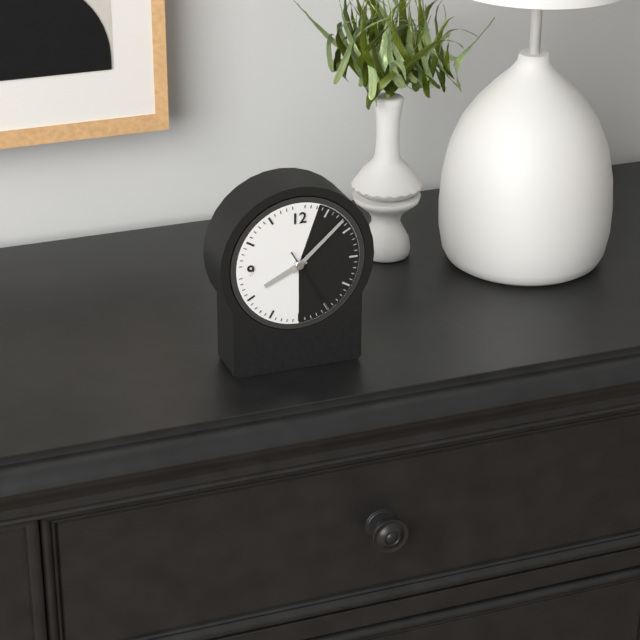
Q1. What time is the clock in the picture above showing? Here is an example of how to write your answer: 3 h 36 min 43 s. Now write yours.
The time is 8 h 08 min 25 s
